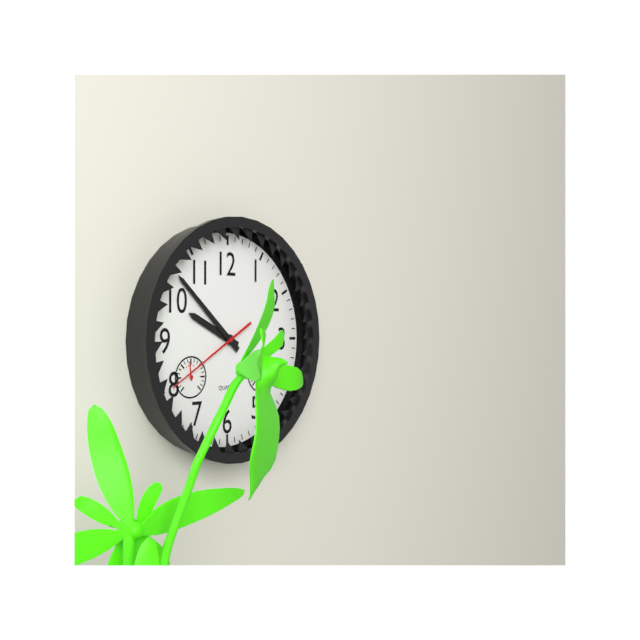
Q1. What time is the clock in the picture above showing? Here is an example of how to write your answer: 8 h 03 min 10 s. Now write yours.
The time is 9 h 52 min 40 s
